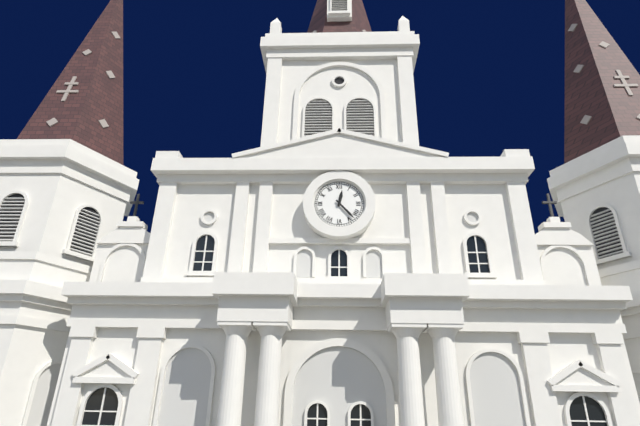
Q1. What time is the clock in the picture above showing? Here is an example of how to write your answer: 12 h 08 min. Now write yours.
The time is 12 h 23 min
